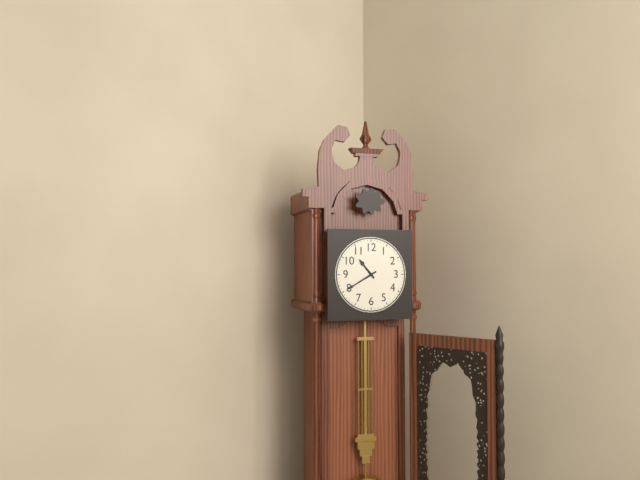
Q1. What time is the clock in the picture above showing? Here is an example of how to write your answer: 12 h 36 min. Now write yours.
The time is 10 h 40 min
